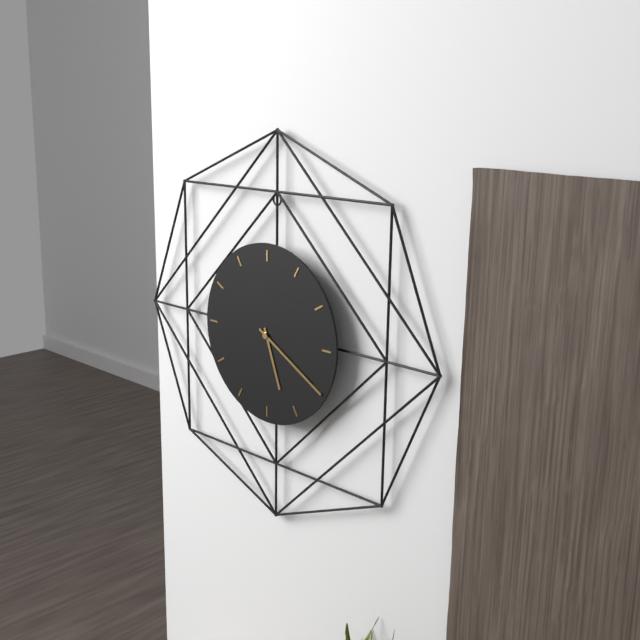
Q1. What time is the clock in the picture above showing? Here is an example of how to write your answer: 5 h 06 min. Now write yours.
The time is 5 h 20 min
